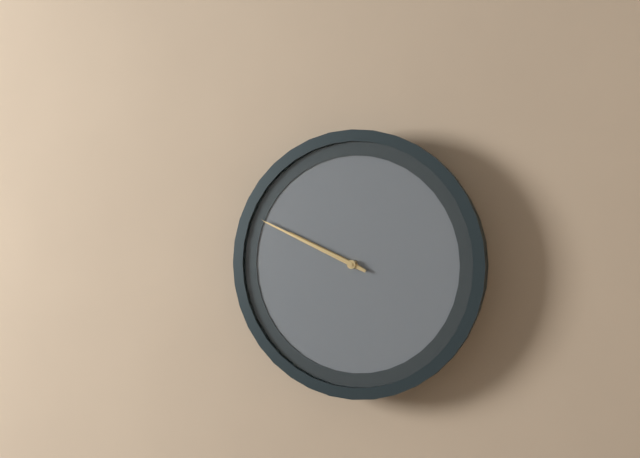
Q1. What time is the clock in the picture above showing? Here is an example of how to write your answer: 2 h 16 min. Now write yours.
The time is 9 h 49 min
